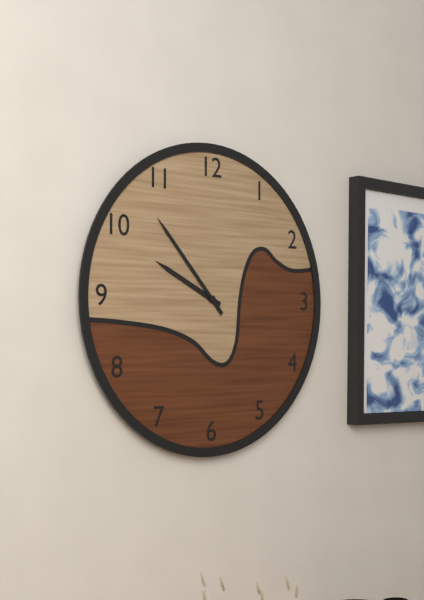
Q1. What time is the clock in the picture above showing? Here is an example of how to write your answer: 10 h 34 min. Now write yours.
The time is 9 h 53 min
